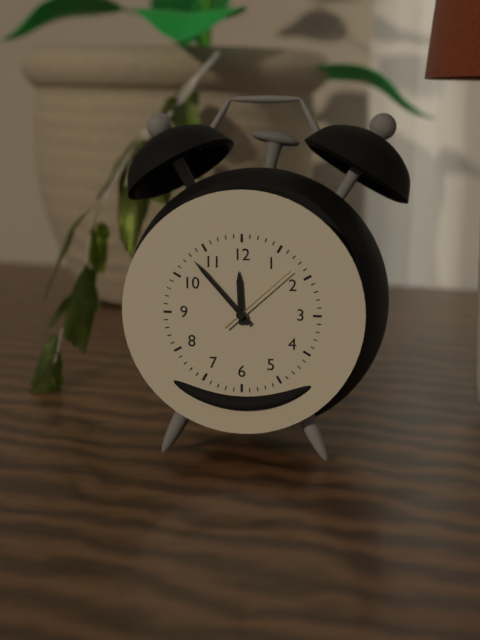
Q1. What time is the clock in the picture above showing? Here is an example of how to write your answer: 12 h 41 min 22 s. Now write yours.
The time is 11 h 53 min 08 s
